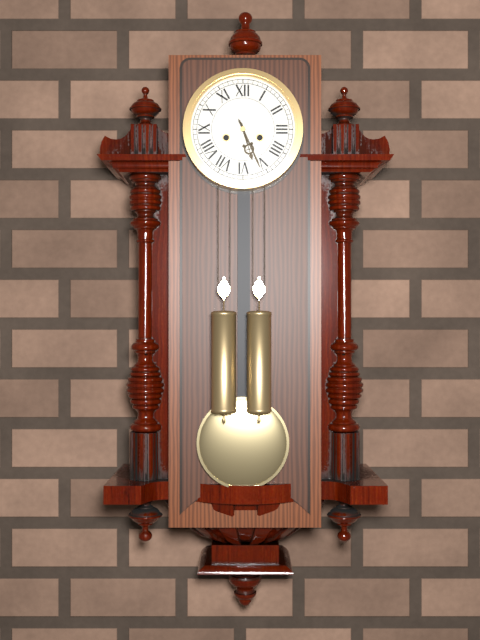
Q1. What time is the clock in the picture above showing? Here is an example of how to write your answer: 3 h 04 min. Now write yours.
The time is 5 h 26 min
